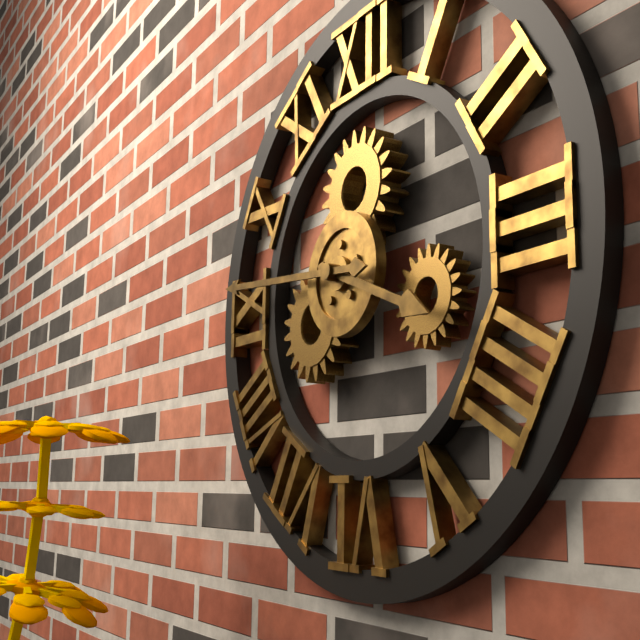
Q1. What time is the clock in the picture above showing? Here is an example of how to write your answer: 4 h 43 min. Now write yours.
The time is 3 h 46 min
